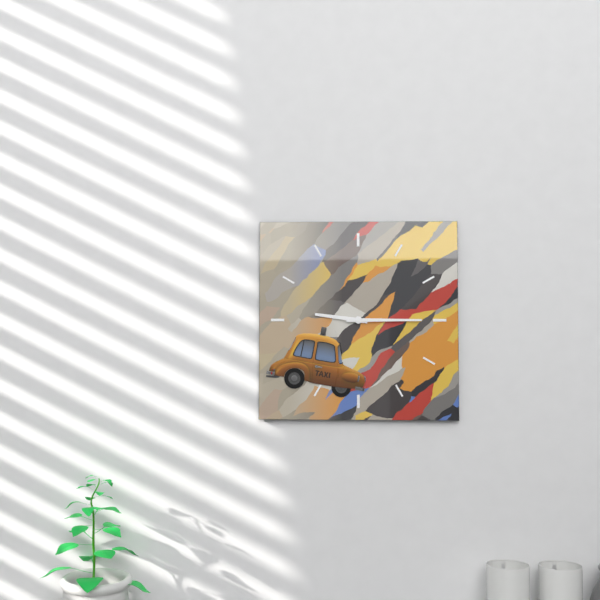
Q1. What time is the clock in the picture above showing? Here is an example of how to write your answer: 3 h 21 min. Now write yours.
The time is 9 h 15 min
